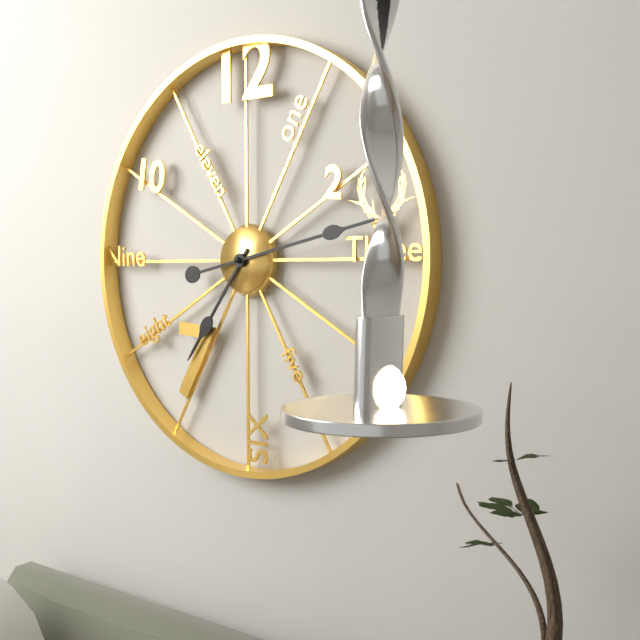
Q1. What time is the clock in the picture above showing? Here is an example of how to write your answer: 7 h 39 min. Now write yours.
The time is 7 h 13 min
